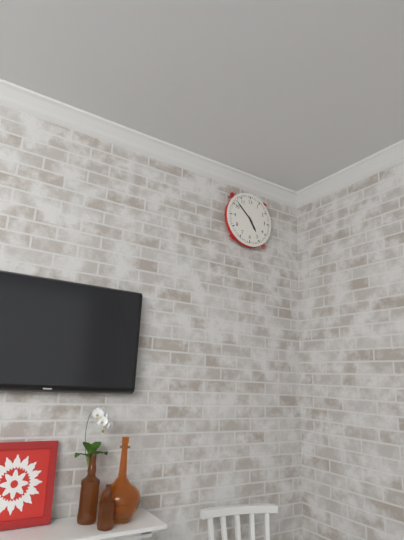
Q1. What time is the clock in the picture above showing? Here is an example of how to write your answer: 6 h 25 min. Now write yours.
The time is 4 h 52 min
